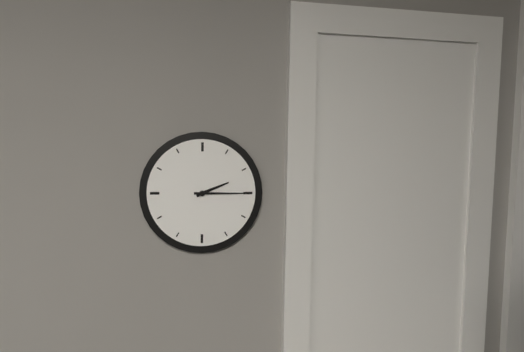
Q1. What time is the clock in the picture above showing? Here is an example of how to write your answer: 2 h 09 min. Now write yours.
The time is 2 h 15 min
